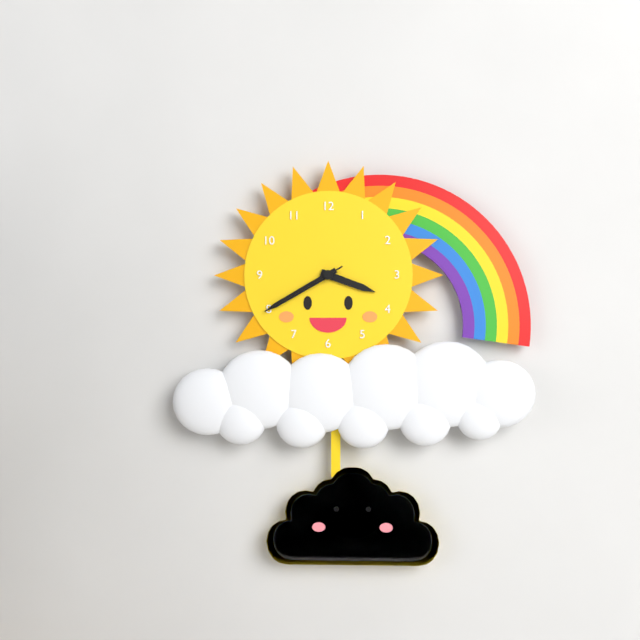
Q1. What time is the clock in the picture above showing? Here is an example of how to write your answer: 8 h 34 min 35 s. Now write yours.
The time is 3 h 40 min 40 s
